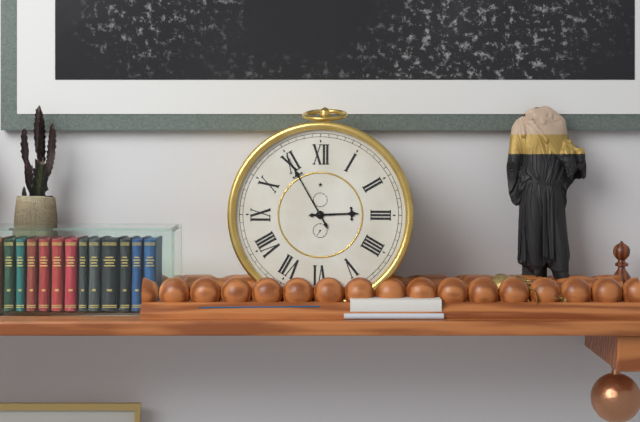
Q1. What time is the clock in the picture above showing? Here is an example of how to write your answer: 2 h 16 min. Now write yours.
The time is 2 h 55 min
